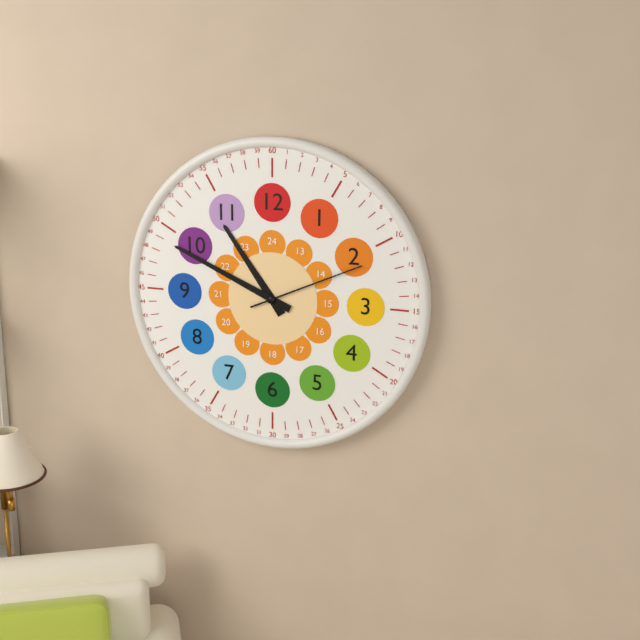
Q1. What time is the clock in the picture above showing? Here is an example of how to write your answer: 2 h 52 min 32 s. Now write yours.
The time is 10 h 49 min 11 s
